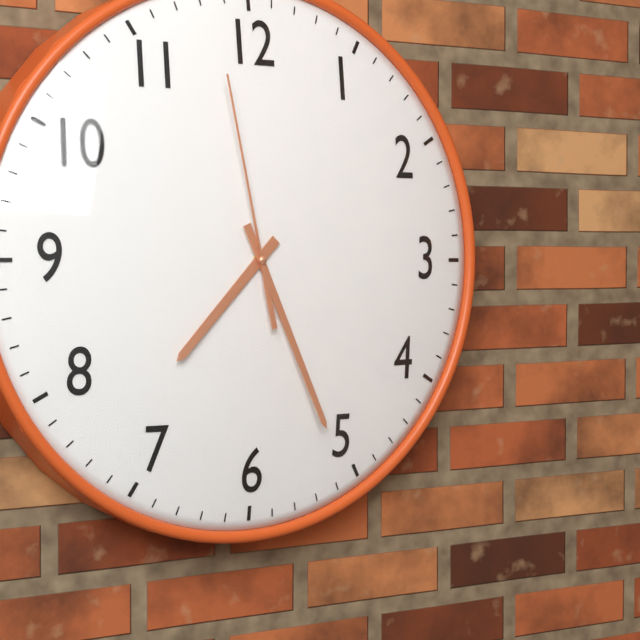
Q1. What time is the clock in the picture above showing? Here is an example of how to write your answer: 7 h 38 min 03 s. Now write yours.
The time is 7 h 26 min 58 s
